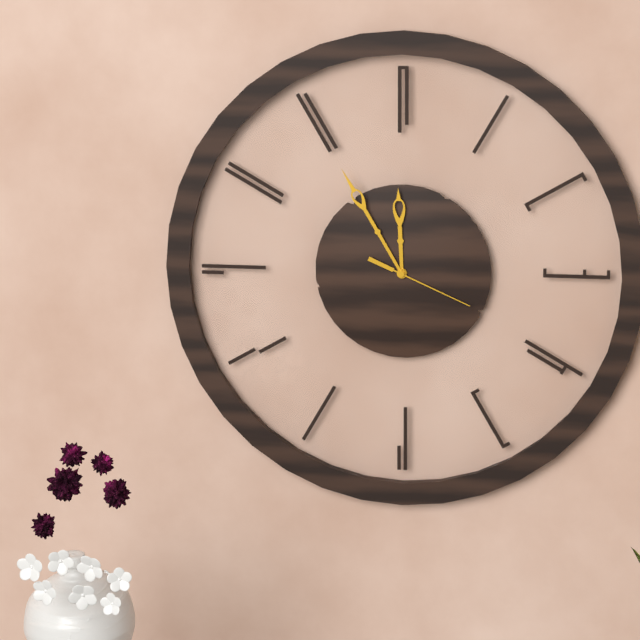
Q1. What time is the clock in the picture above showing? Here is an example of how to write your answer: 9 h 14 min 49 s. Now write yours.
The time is 11 h 55 min 19 s
